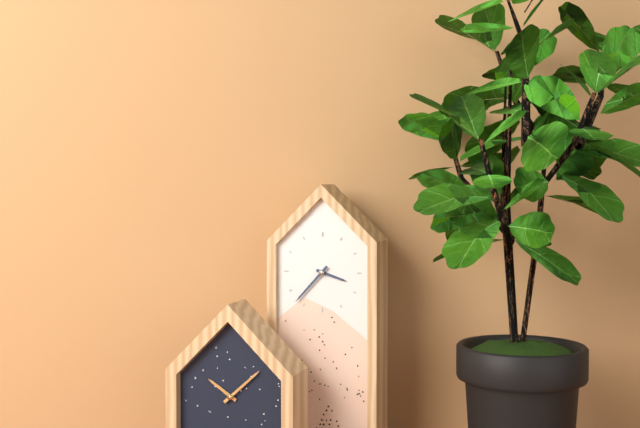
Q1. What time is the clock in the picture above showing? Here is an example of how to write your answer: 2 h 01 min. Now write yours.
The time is 3 h 37 min
